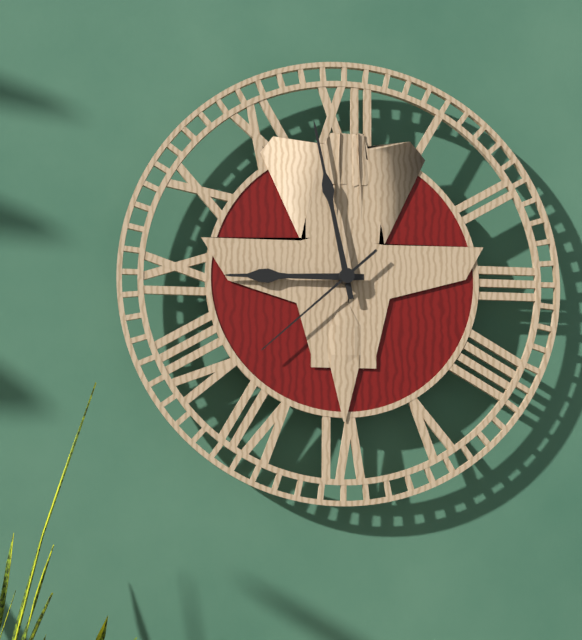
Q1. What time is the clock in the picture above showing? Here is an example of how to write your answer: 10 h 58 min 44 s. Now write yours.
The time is 8 h 58 min 38 s
